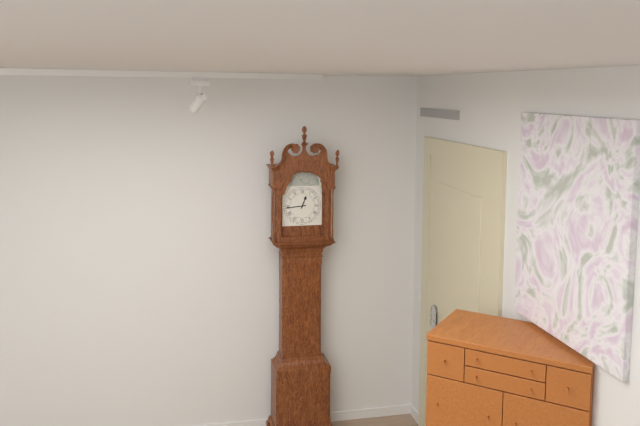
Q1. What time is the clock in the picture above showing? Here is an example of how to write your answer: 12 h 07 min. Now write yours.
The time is 12 h 44 min
